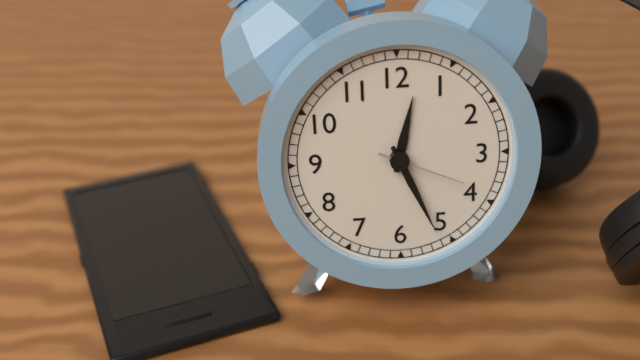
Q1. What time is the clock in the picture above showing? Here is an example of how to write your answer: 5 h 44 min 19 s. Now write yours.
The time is 12 h 26 min 19 s
